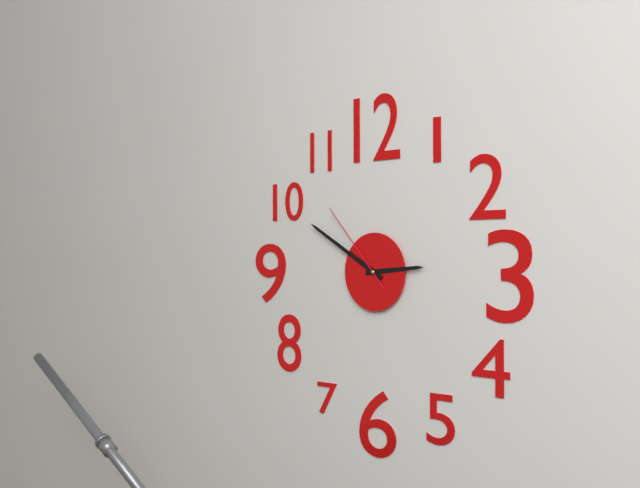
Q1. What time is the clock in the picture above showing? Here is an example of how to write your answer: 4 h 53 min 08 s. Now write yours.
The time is 2 h 50 min 53 s
